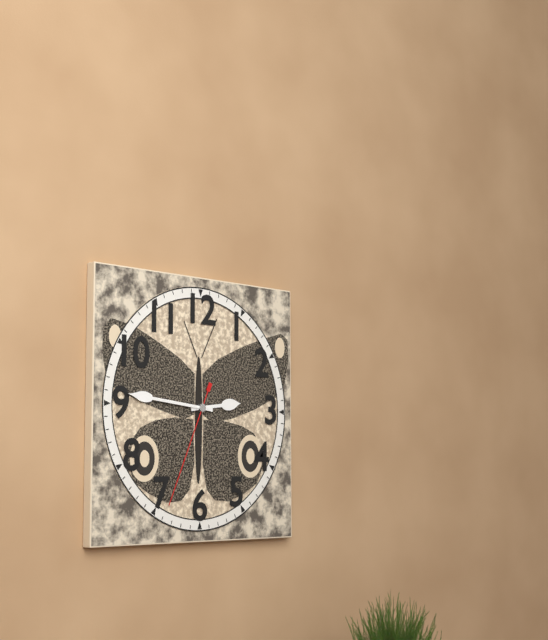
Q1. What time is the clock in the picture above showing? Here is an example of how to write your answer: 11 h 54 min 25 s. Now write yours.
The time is 2 h 46 min 34 s
